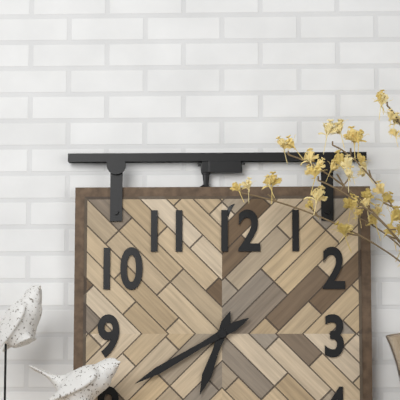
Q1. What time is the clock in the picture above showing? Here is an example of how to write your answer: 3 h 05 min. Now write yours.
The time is 6 h 40 min
